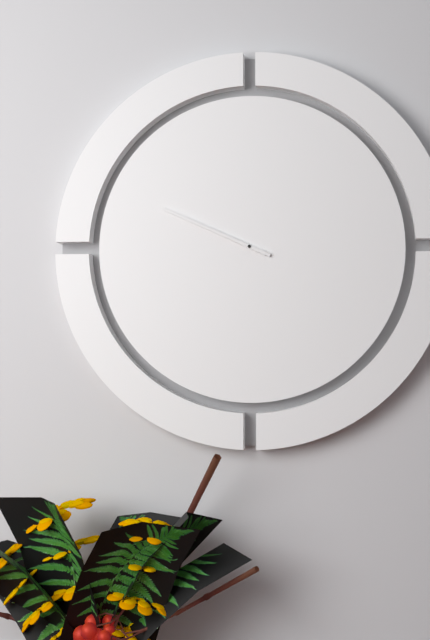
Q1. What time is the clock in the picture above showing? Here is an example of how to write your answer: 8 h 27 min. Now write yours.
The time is 9 h 49 min
